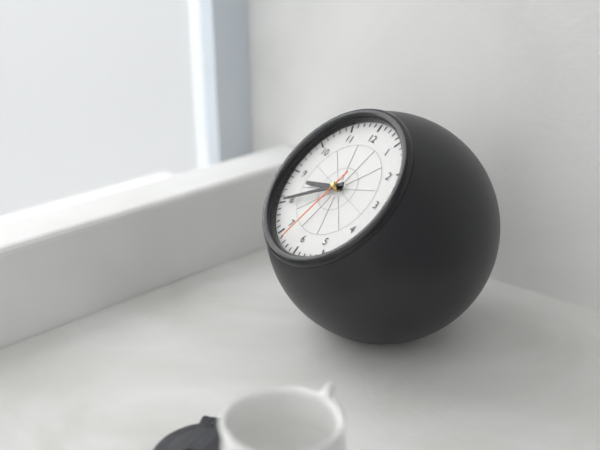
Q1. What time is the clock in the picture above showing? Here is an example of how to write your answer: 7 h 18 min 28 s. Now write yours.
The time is 8 h 40 min 33 s
